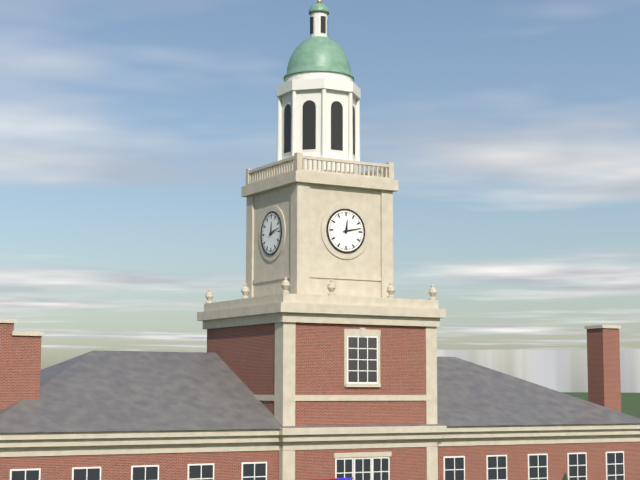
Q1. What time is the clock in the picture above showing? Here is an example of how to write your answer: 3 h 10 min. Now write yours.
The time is 12 h 13 min
